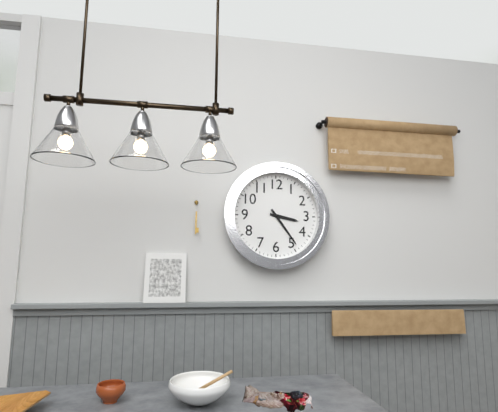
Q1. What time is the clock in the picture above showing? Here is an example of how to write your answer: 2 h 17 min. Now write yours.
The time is 3 h 24 min
